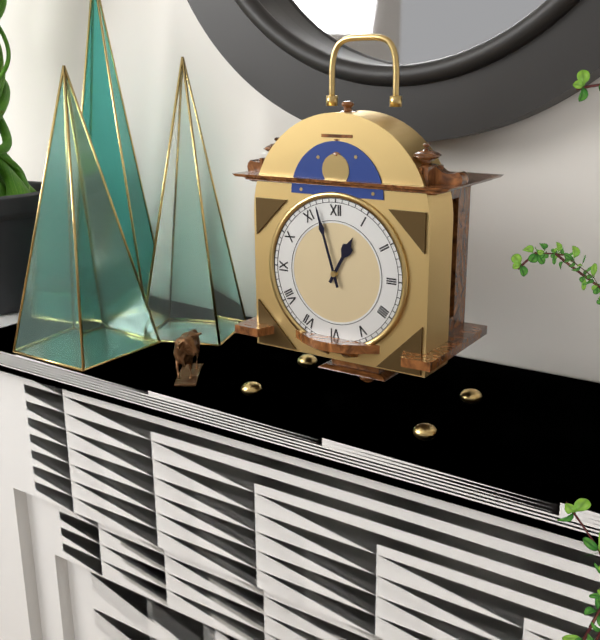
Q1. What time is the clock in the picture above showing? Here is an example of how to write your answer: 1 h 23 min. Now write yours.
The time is 12 h 57 min
